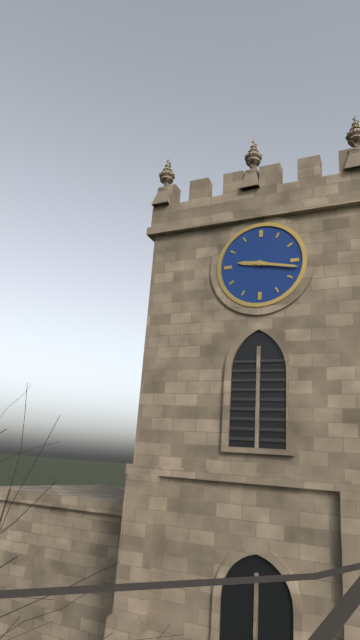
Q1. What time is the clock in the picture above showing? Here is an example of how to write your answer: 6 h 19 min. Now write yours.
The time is 9 h 17 min
